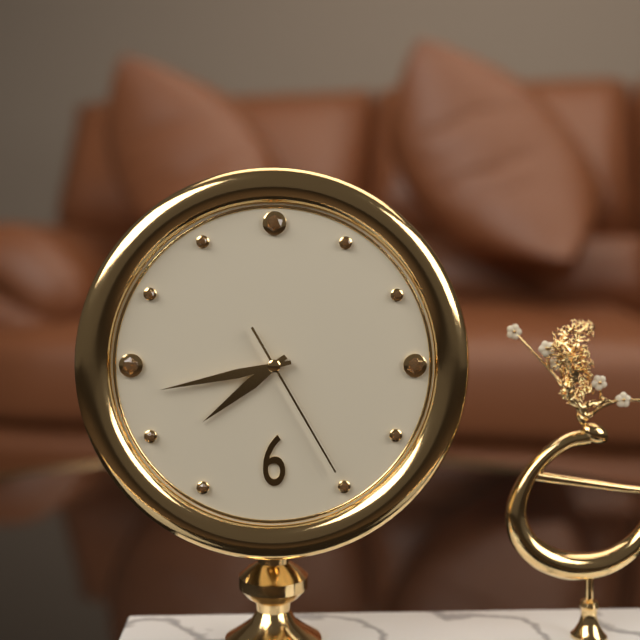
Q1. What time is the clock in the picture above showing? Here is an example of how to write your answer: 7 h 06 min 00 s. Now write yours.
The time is 7 h 43 min 25 s
